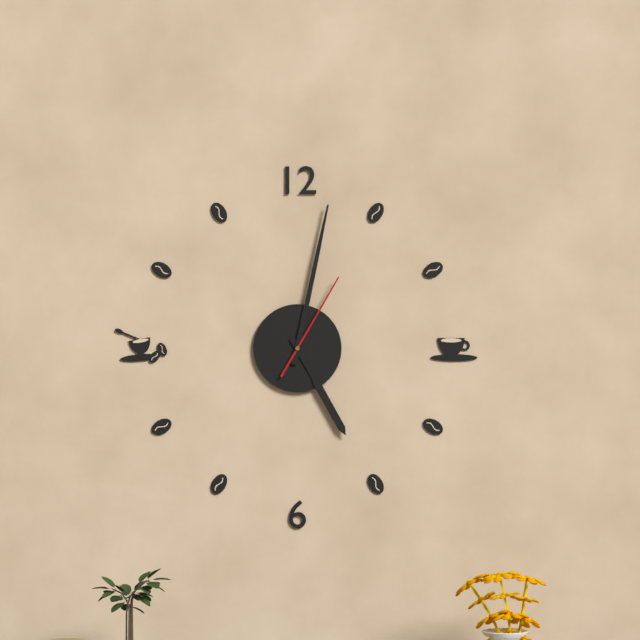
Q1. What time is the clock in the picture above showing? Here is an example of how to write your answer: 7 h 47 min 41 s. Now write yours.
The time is 5 h 02 min 05 s
